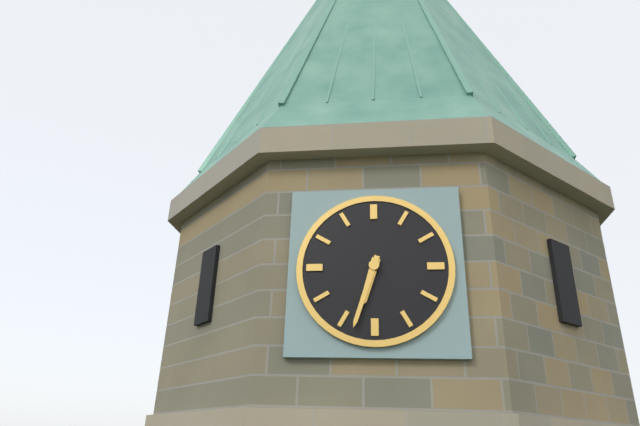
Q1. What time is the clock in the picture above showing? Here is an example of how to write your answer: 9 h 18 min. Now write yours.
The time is 6 h 33 min
